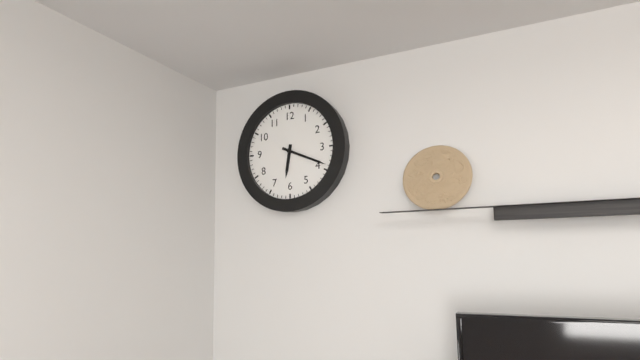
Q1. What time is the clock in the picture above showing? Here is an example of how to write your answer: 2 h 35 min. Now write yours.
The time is 6 h 19 min
